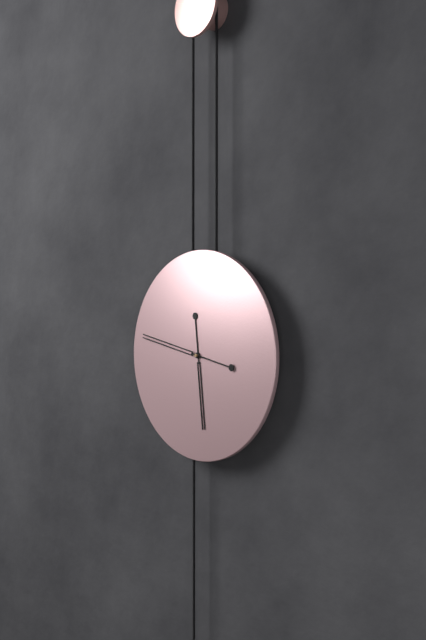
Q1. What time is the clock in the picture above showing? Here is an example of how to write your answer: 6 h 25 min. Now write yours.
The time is 5 h 47 min
